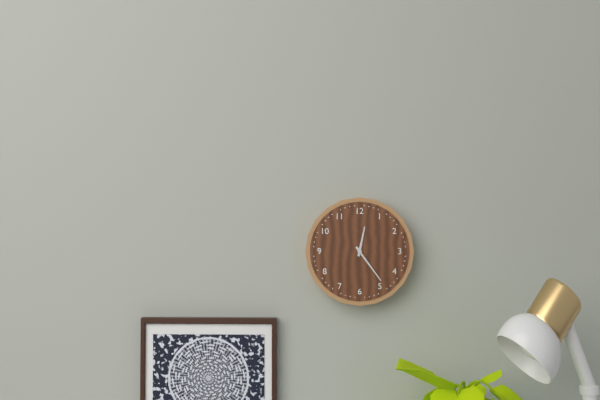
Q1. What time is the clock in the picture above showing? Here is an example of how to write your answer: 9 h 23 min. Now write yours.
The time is 12 h 24 min
